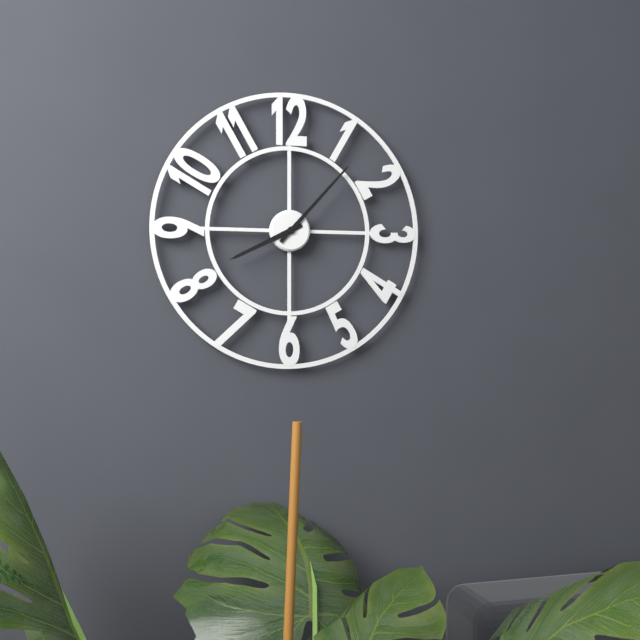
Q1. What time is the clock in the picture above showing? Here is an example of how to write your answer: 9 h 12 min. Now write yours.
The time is 8 h 07 min
